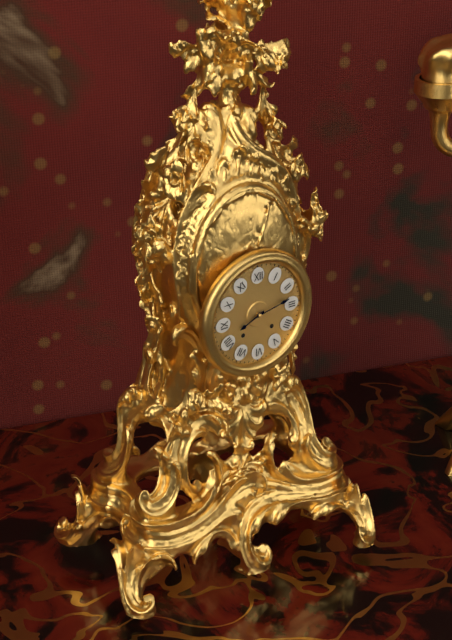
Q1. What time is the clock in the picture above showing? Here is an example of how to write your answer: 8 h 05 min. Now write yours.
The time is 8 h 13 min
